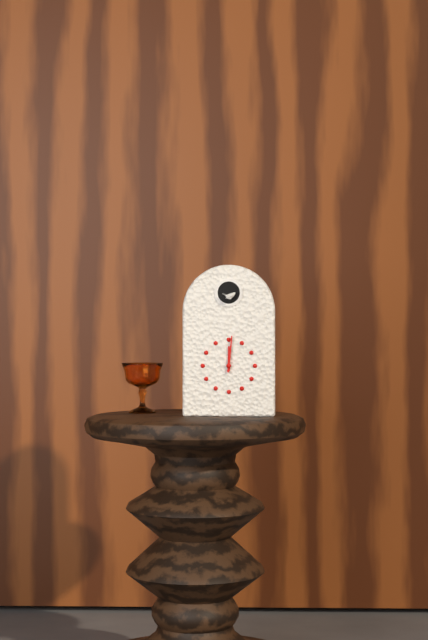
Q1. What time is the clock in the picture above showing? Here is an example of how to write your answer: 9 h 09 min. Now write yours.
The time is 12 h 01 min
